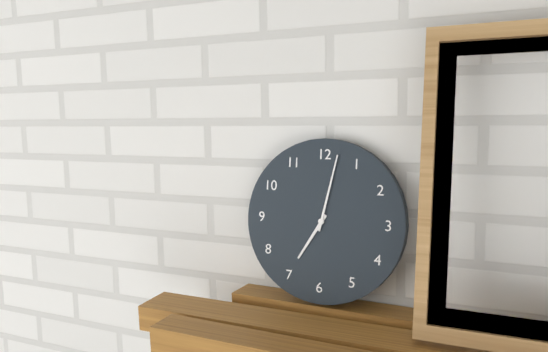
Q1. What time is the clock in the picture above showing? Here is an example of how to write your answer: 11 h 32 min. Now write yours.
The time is 7 h 02 min
